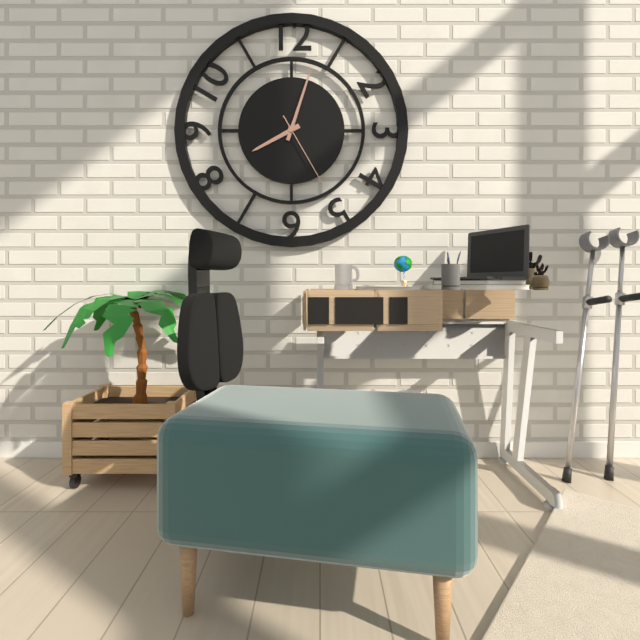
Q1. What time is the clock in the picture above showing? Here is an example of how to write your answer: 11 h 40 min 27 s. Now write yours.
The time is 8 h 03 min 25 s
